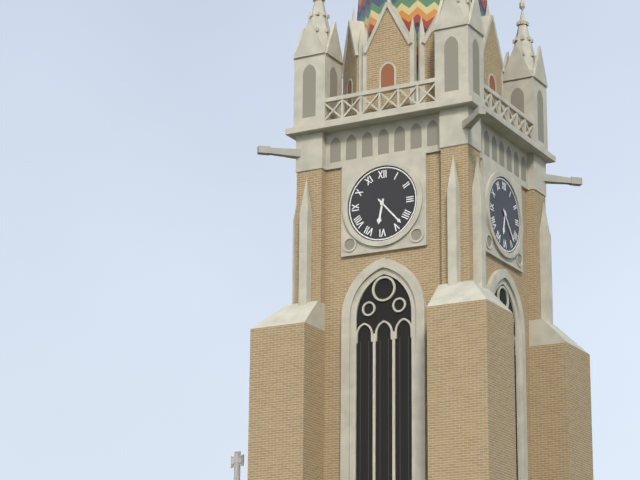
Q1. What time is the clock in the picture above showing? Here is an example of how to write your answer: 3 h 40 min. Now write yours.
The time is 6 h 23 min
